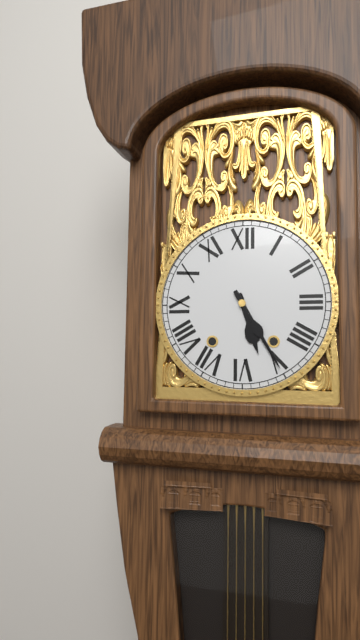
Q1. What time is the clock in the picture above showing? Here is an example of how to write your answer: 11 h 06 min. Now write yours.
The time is 5 h 25 min
